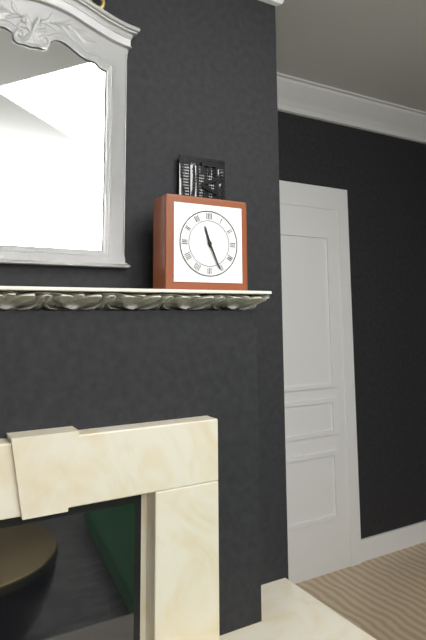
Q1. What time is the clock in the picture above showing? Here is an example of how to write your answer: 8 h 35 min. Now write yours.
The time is 11 h 26 min
